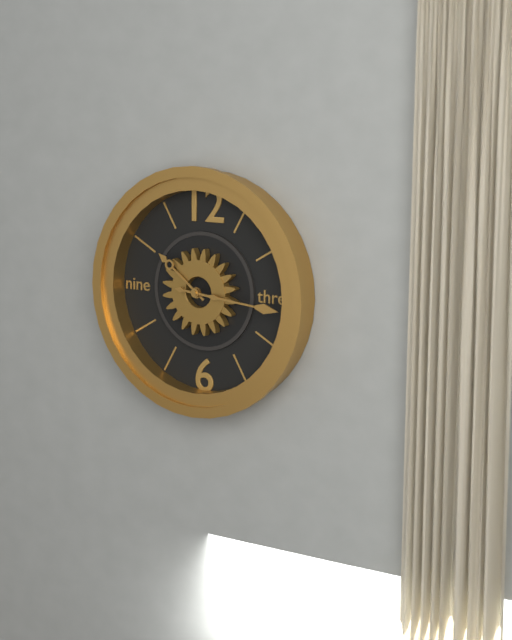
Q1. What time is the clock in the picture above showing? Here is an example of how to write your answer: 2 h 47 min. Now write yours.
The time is 10 h 16 min
